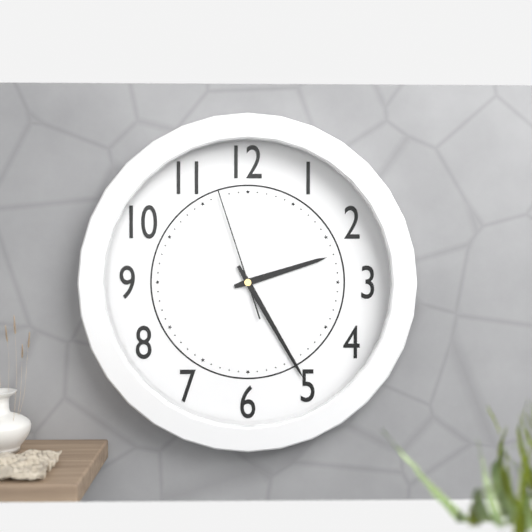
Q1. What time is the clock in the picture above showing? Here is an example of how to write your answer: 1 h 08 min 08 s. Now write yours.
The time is 2 h 25 min 57 s
